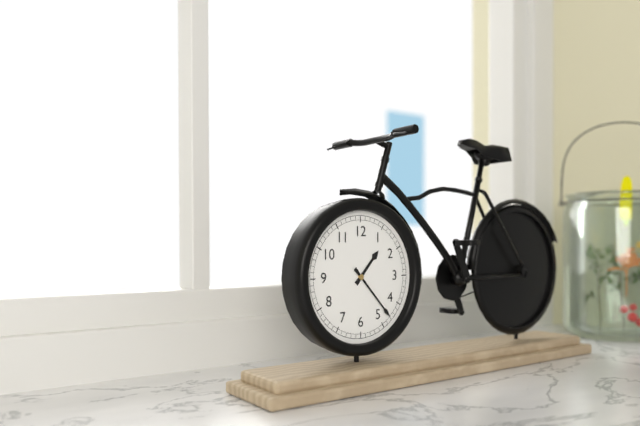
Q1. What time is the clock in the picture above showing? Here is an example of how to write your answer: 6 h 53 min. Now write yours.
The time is 1 h 23 min
